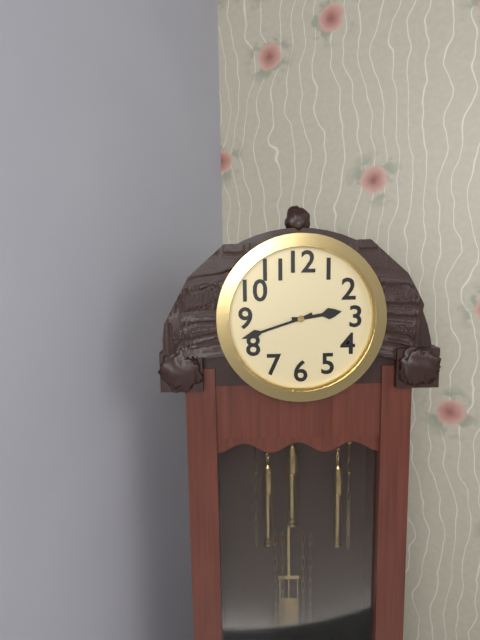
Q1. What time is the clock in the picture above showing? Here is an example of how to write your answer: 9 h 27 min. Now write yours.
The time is 2 h 42 min
